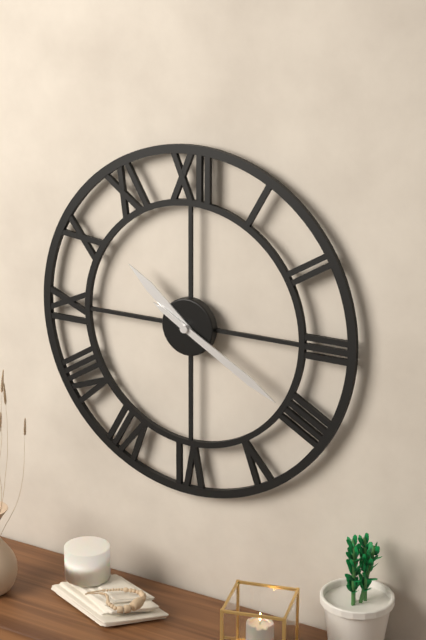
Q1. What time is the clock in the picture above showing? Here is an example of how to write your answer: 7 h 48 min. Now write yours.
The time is 10 h 20 min
